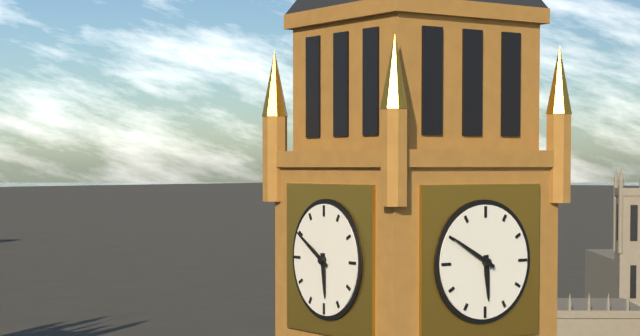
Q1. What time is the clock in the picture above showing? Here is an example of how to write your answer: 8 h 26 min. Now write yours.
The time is 5 h 50 min
